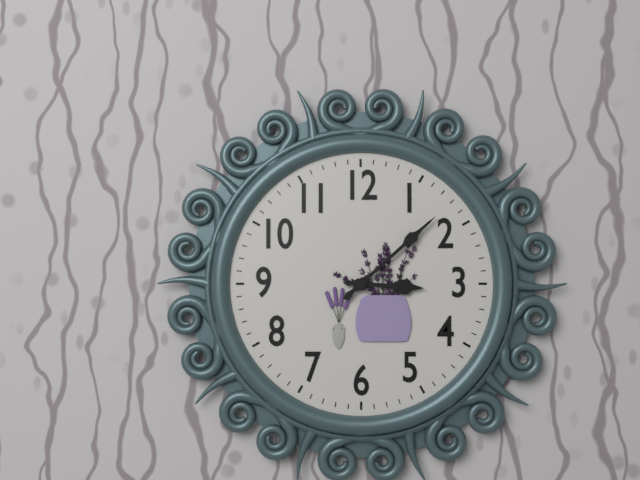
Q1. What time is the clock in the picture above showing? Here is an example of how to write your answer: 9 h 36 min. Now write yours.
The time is 3 h 08 min
